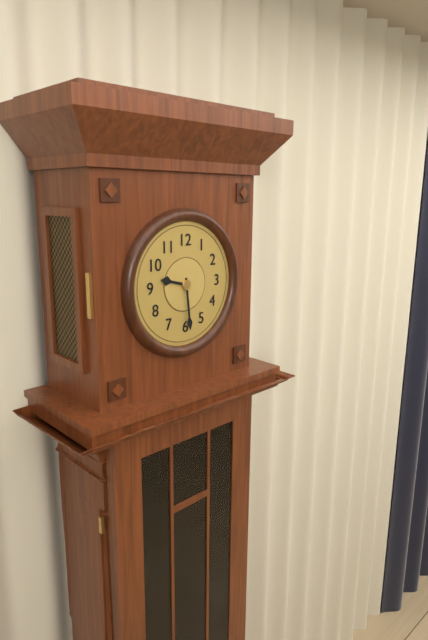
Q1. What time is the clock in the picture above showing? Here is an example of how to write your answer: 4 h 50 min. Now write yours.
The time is 9 h 29 min
